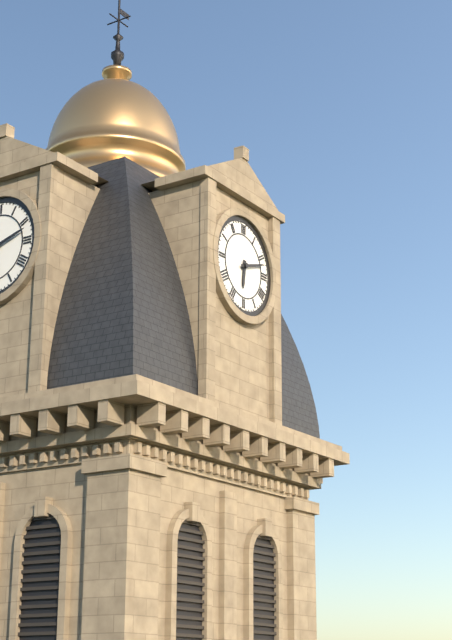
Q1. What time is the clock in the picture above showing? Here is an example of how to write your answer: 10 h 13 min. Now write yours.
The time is 6 h 12 min
